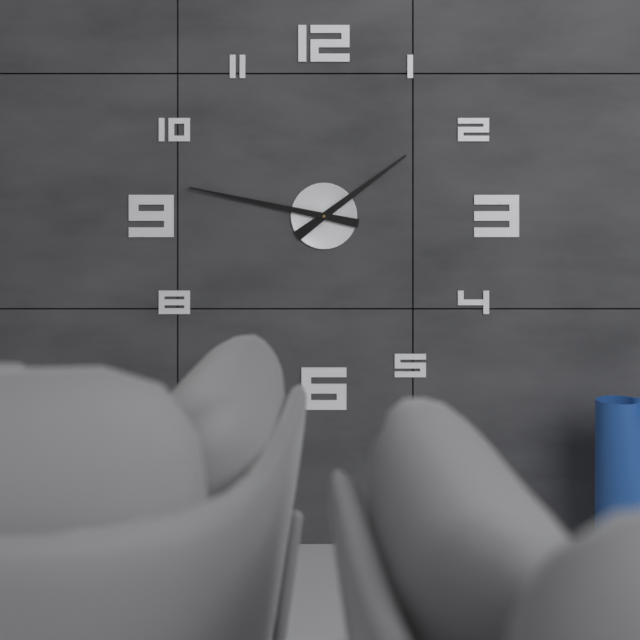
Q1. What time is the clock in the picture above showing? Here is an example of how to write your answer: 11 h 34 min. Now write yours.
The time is 1 h 47 min
